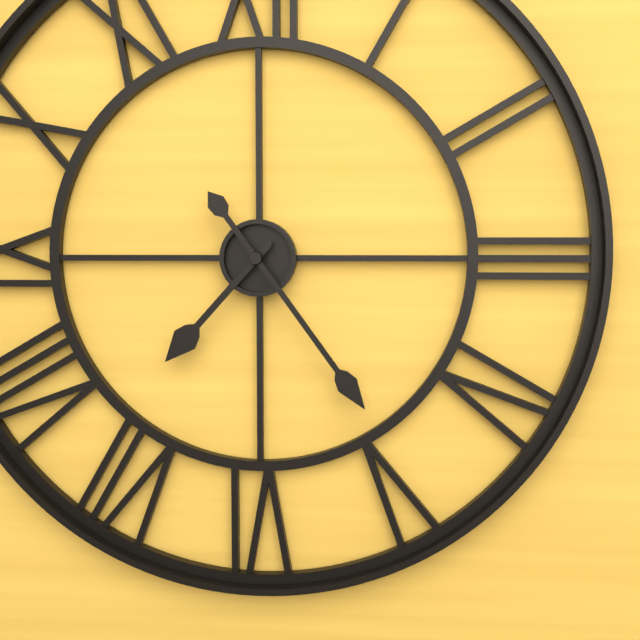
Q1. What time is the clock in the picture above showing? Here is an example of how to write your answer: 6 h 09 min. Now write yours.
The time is 7 h 24 min
